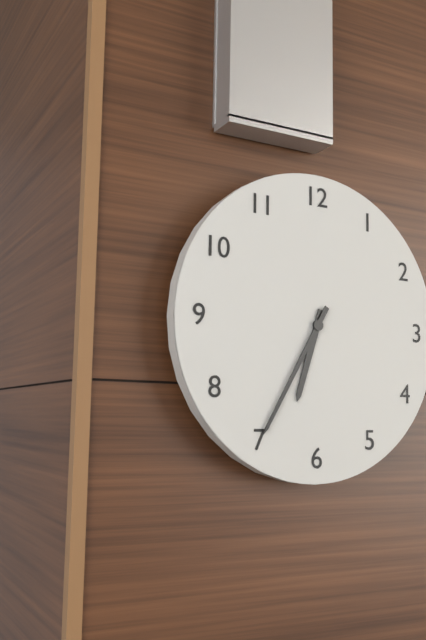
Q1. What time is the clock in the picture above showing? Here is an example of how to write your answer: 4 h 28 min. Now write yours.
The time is 6 h 35 min
